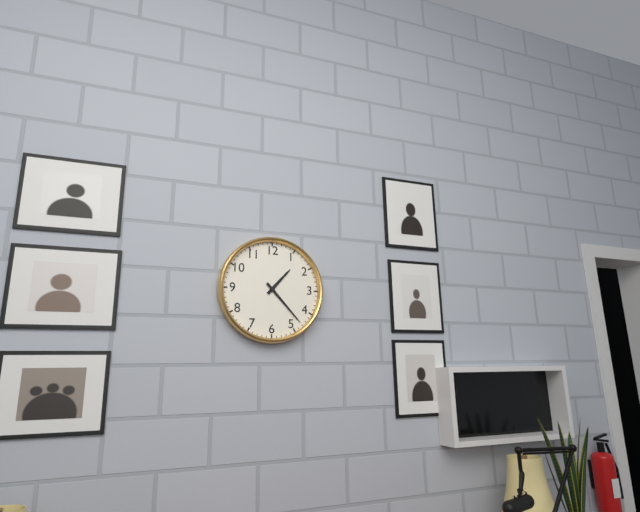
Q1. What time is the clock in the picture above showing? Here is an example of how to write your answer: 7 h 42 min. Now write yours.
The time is 1 h 23 min
